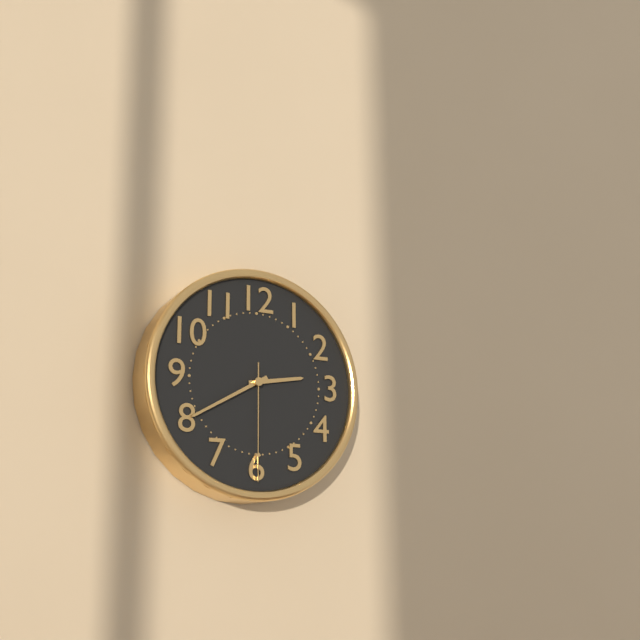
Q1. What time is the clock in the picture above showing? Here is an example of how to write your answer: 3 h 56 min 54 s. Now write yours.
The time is 2 h 40 min 30 s
